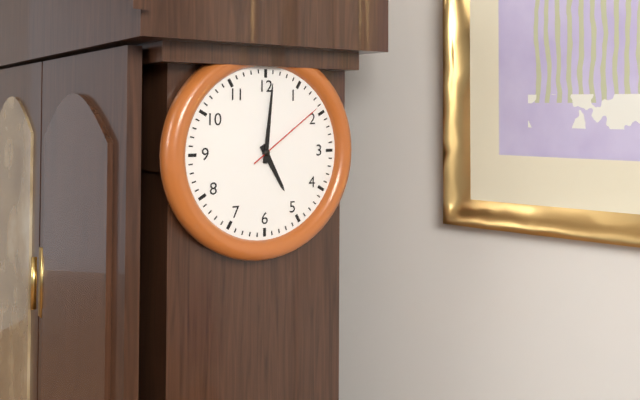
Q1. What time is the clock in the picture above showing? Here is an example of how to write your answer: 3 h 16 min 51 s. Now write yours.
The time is 5 h 01 min 09 s
